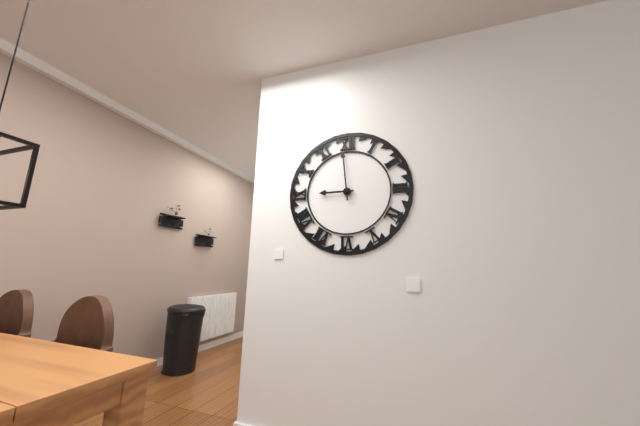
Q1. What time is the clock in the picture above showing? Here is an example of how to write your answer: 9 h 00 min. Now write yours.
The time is 8 h 59 min
